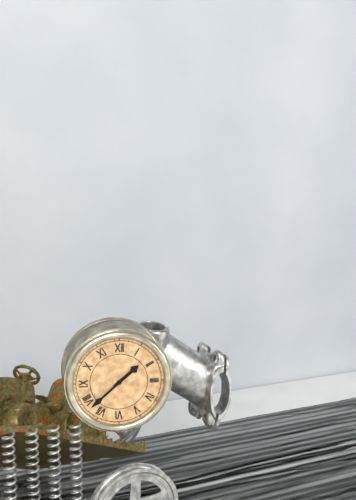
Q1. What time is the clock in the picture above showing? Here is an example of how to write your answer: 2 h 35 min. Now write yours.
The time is 1 h 38 min
